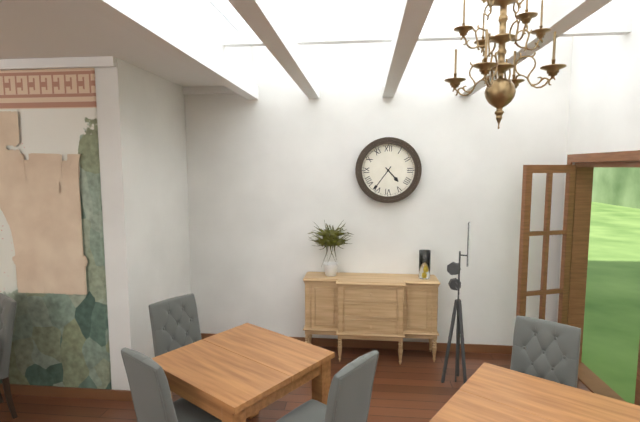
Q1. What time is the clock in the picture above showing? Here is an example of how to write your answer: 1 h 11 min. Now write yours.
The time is 4 h 36 min
